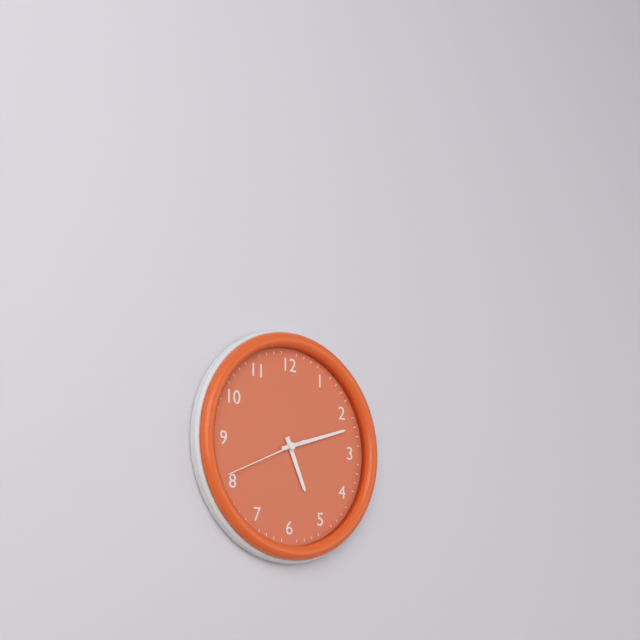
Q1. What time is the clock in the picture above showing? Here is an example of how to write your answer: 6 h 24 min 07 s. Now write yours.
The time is 5 h 12 min 41 s
